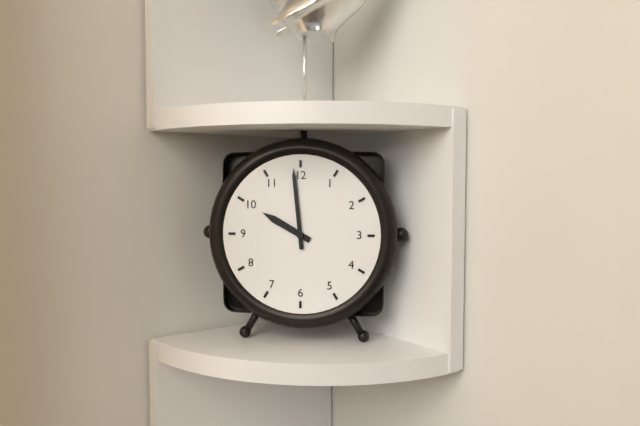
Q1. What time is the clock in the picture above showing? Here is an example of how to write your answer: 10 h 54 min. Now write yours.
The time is 9 h 59 min
